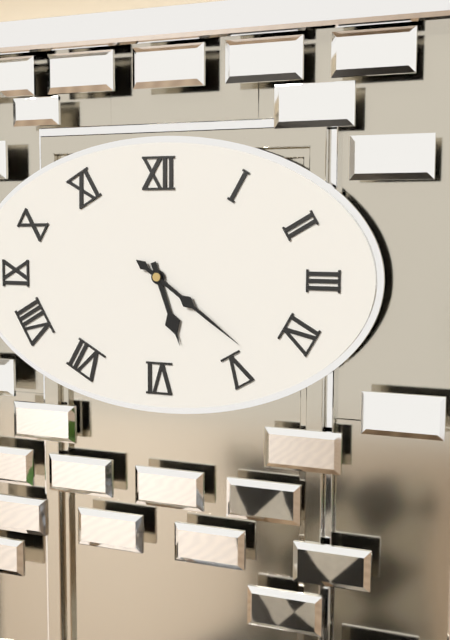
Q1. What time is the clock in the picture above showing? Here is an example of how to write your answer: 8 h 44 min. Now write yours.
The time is 5 h 21 min
